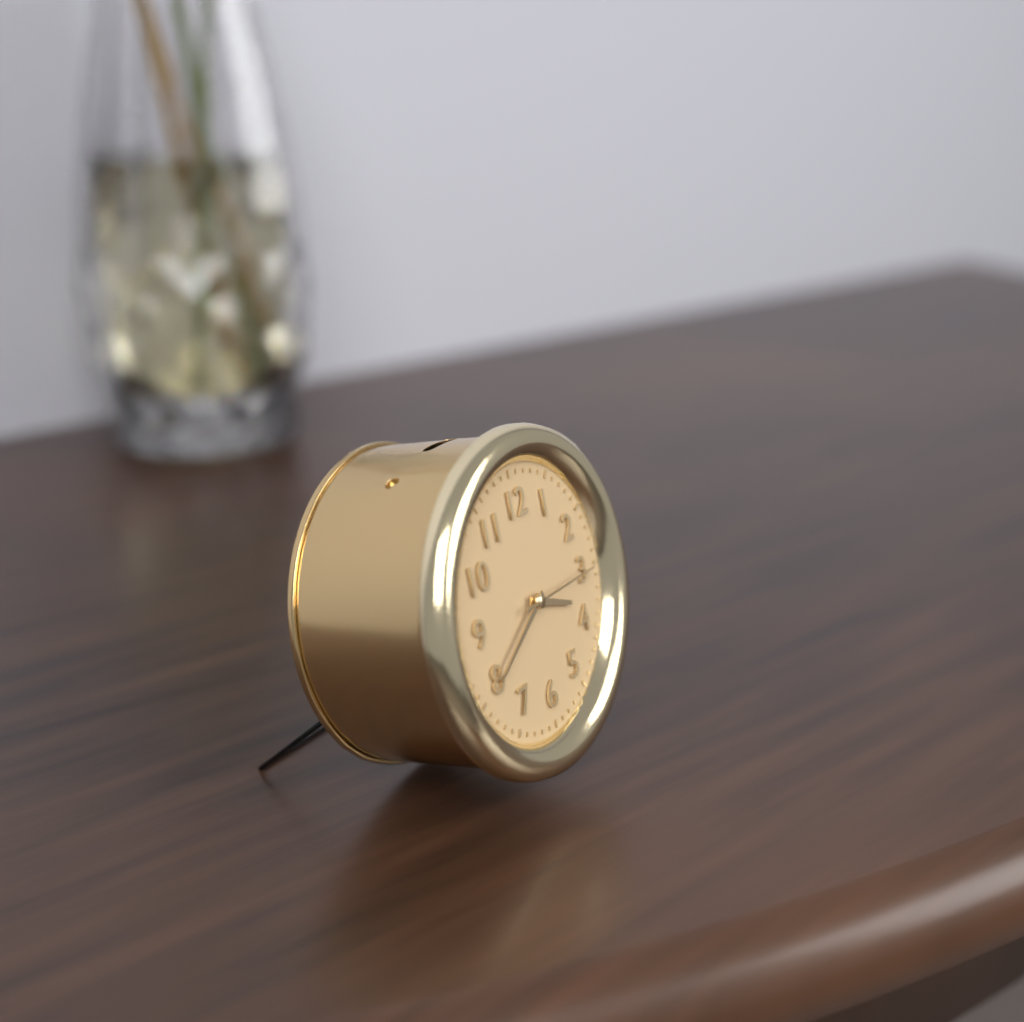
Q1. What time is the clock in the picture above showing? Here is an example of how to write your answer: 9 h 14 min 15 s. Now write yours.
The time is 3 h 40 min 15 s
